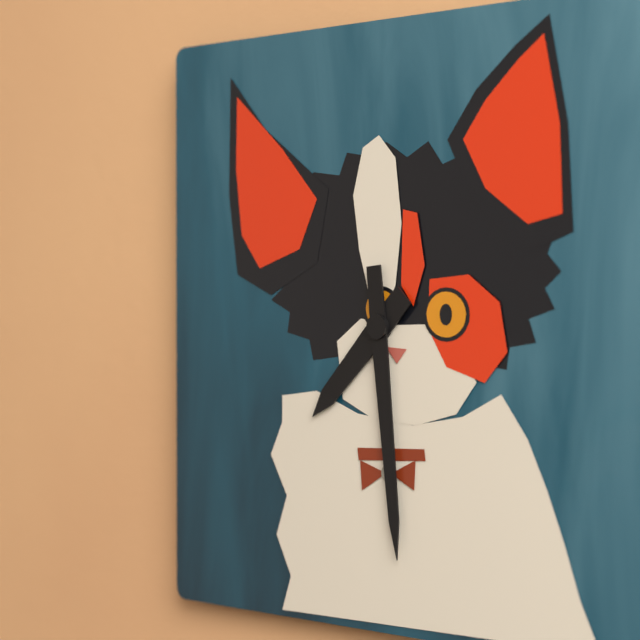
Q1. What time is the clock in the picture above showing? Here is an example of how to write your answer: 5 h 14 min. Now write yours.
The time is 7 h 29 min
